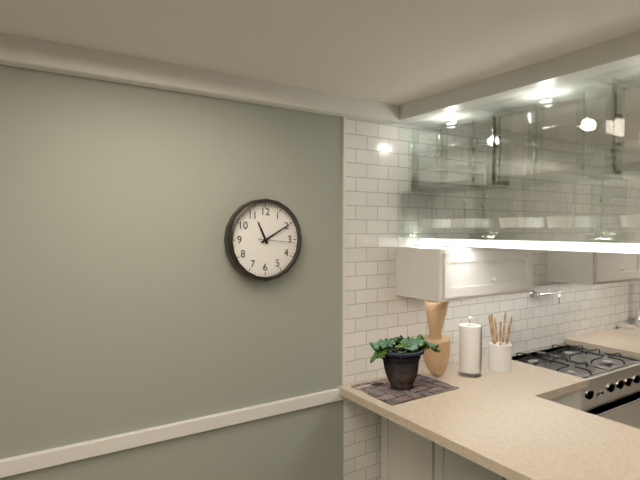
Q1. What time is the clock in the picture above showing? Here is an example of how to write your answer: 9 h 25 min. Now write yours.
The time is 11 h 10 min
